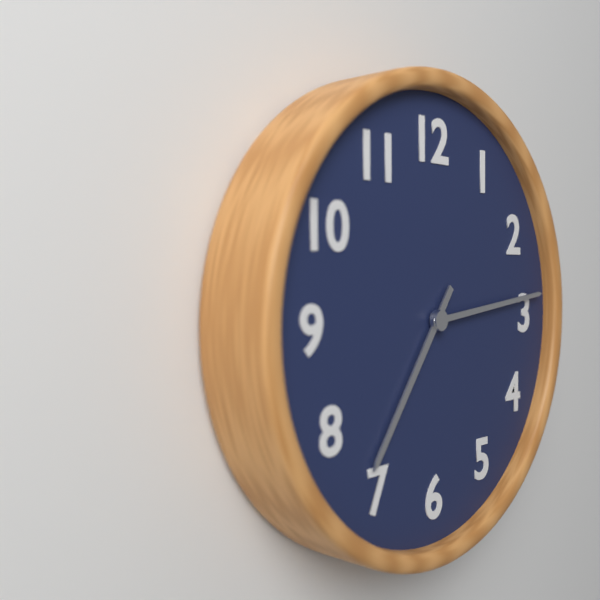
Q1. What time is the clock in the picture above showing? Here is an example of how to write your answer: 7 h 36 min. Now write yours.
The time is 7 h 14 min
